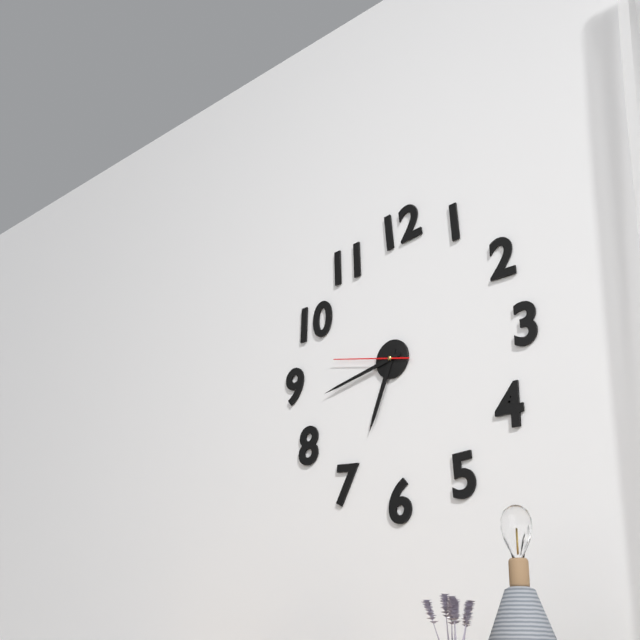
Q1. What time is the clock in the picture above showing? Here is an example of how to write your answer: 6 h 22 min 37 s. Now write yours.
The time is 6 h 43 min 47 s
